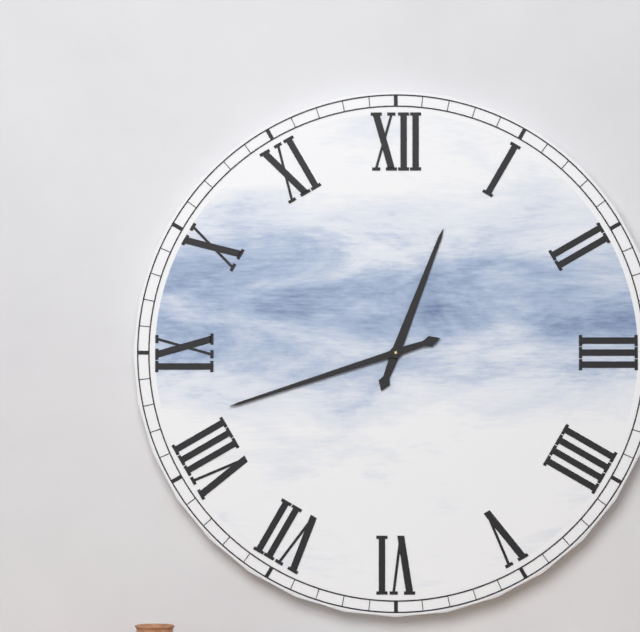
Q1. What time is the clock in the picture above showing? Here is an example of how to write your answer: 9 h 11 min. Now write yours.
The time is 12 h 42 min
